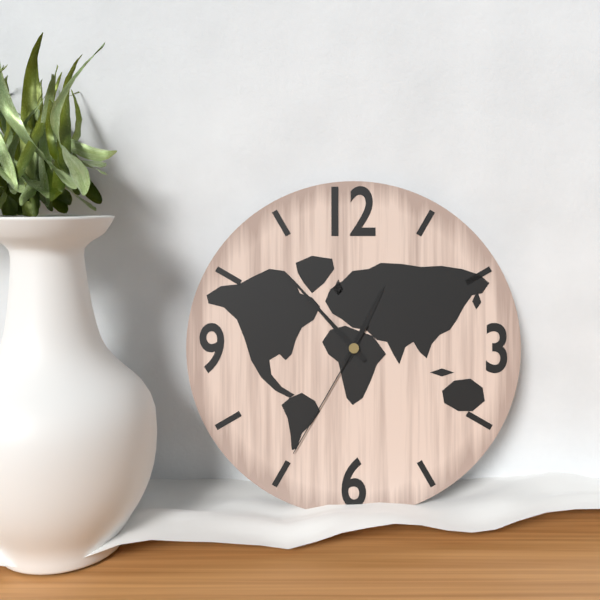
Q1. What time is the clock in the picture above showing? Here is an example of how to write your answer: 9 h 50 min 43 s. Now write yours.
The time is 12 h 53 min 35 s
